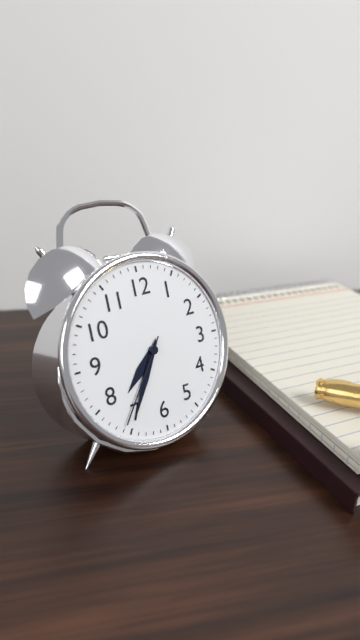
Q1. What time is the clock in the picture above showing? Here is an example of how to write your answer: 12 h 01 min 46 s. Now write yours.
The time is 7 h 35 min 36 s
